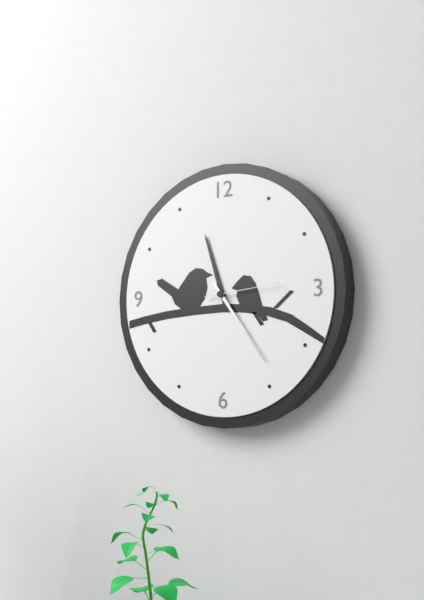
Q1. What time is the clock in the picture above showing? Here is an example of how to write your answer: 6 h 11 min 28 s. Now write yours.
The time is 11 h 24 min 14 s
